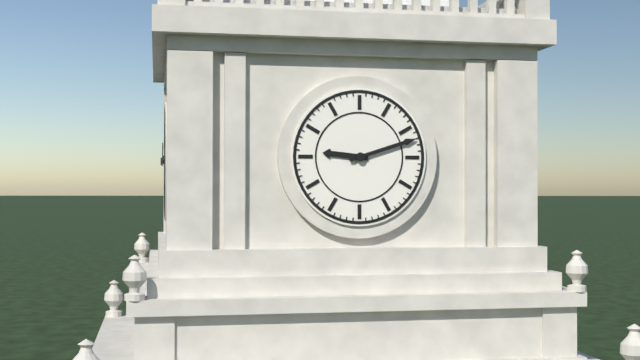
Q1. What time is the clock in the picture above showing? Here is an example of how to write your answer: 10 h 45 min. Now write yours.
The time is 9 h 12 min
